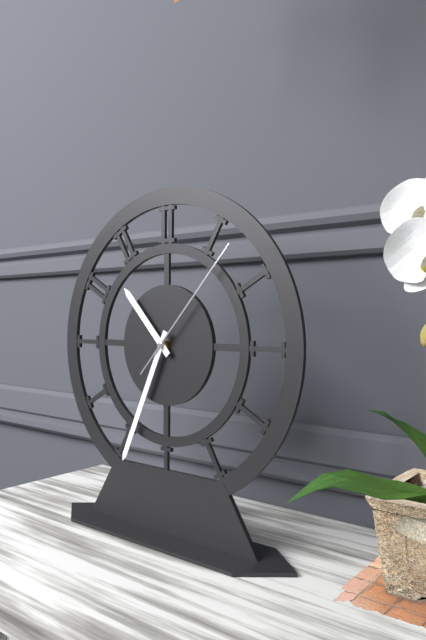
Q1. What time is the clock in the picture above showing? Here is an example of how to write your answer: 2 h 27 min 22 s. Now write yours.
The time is 10 h 34 min 07 s
